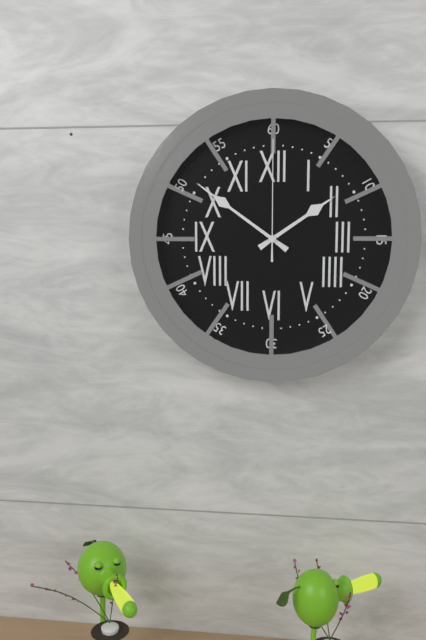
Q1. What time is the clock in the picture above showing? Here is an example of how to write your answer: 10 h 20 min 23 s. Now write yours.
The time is 1 h 51 min 00 s
